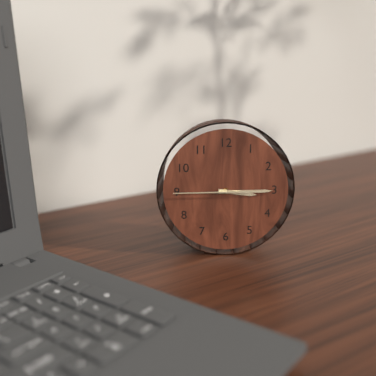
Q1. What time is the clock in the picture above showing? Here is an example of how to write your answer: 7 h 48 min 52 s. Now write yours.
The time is 3 h 15 min 45 s
